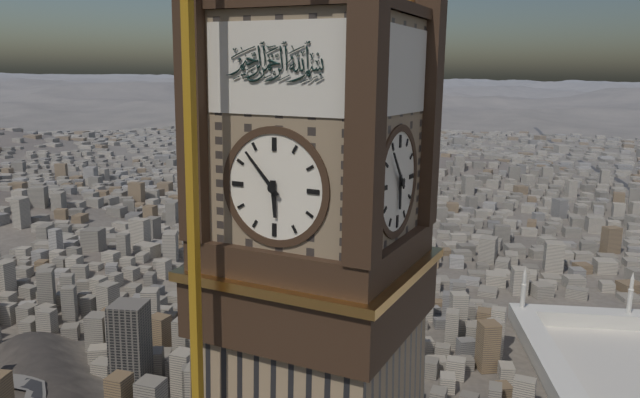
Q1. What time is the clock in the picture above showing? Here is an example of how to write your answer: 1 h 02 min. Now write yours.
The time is 5 h 53 min
